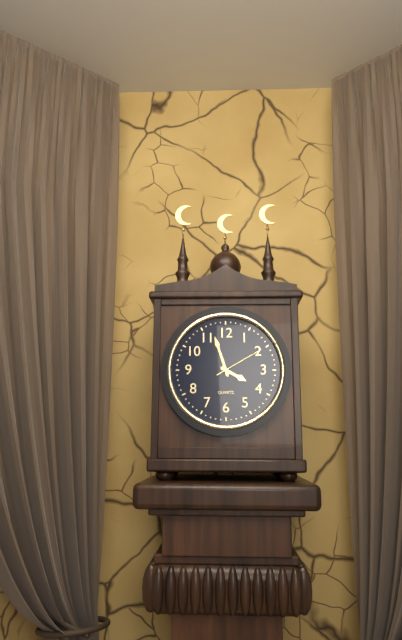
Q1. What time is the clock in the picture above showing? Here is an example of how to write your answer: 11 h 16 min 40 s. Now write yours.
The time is 3 h 57 min 10 s
